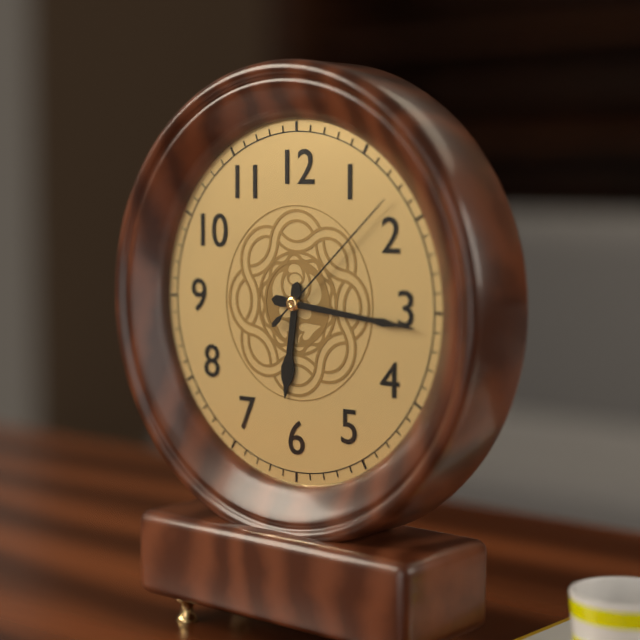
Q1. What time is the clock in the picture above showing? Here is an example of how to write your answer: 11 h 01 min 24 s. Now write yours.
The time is 6 h 16 min 08 s
